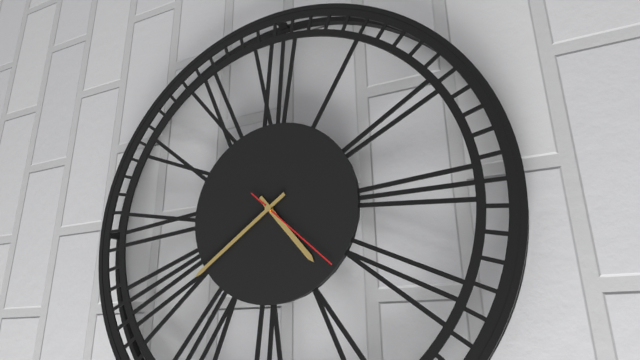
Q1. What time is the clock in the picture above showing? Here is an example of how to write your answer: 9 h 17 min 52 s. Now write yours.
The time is 4 h 39 min 22 s
